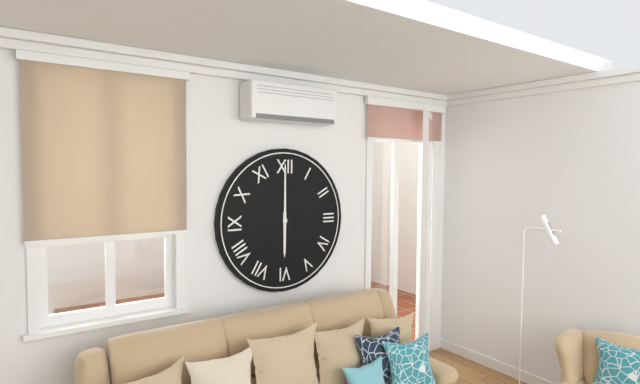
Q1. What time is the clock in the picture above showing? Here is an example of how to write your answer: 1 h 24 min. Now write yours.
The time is 6 h 00 min
